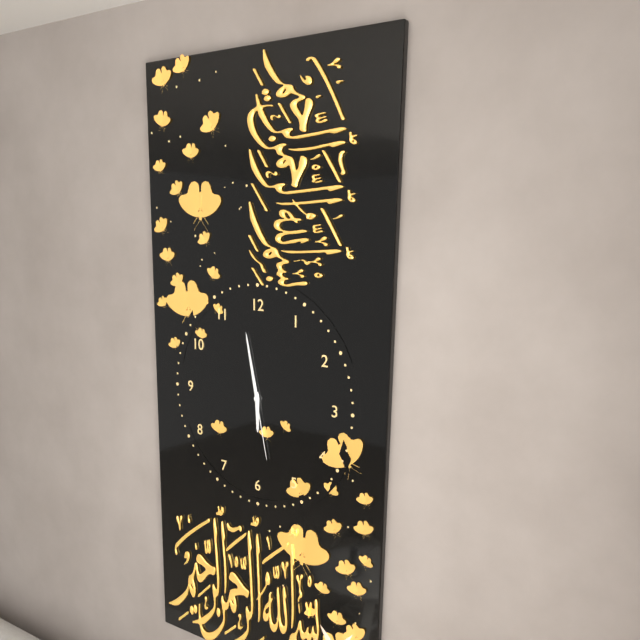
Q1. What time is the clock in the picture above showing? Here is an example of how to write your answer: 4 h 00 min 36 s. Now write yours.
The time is 5 h 58 min 28 s
